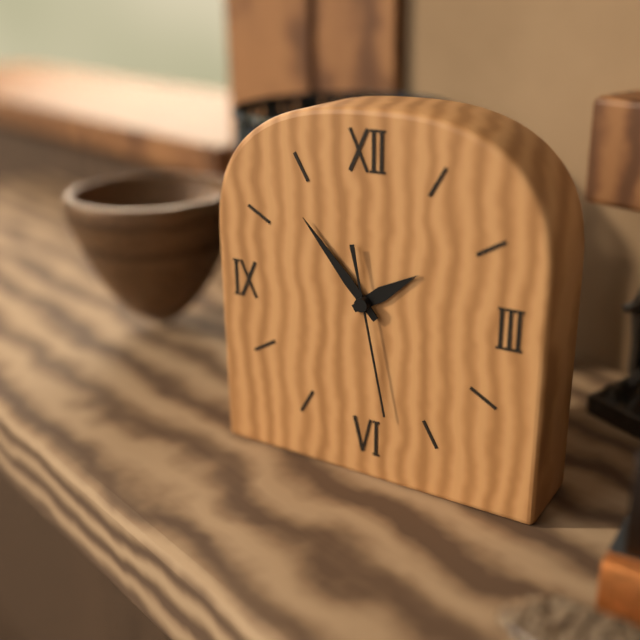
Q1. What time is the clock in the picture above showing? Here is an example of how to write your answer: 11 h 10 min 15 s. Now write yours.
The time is 1 h 53 min 28 s
